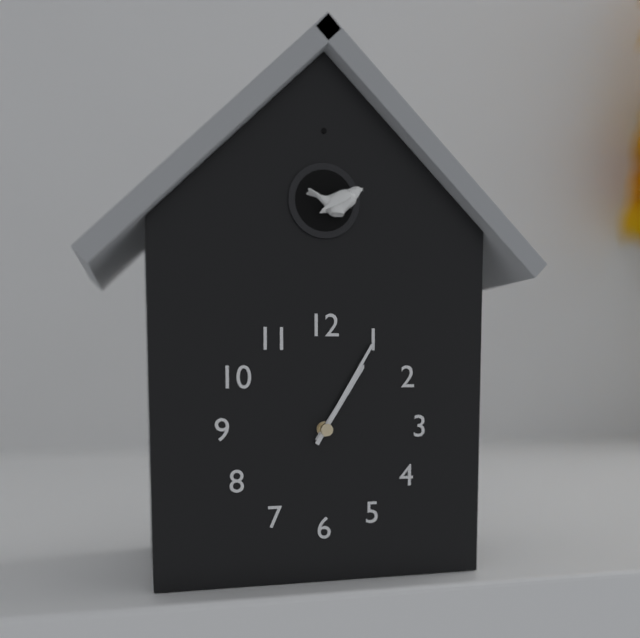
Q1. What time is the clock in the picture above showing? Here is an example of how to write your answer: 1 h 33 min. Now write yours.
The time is 1 h 05 min
